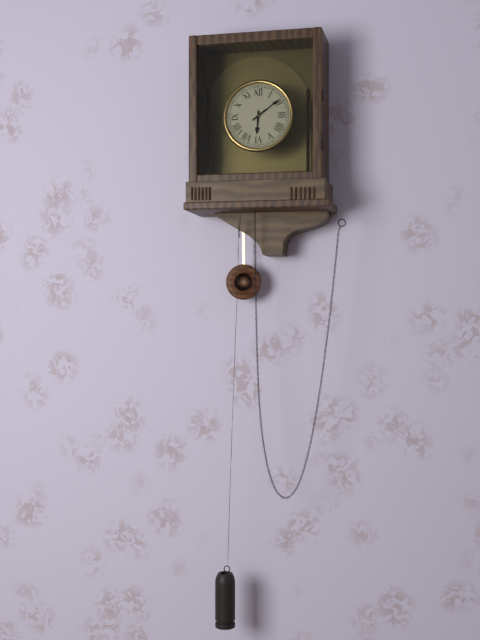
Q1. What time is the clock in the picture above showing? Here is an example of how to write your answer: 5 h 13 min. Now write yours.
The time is 6 h 09 min
